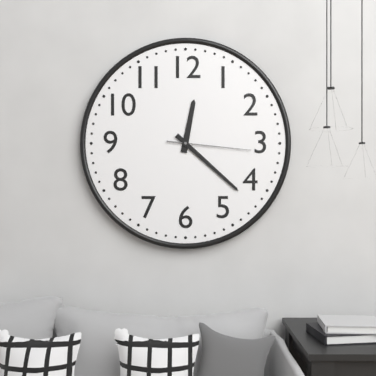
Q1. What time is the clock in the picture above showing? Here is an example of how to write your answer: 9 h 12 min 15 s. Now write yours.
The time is 12 h 22 min 16 s
